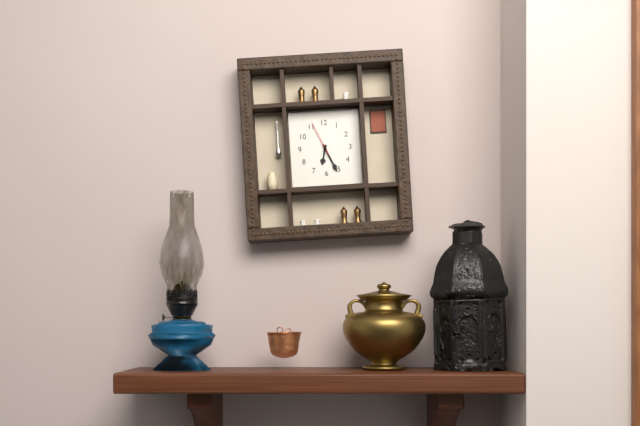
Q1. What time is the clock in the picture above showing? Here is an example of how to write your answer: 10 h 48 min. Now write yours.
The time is 6 h 26 min
